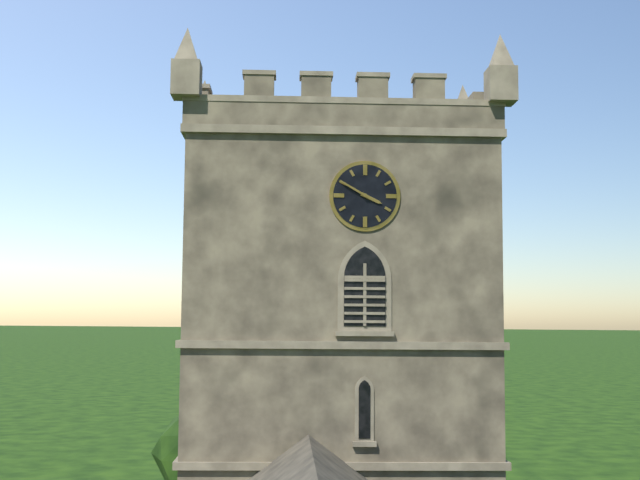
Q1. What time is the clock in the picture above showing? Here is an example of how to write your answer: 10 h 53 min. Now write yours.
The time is 3 h 50 min
